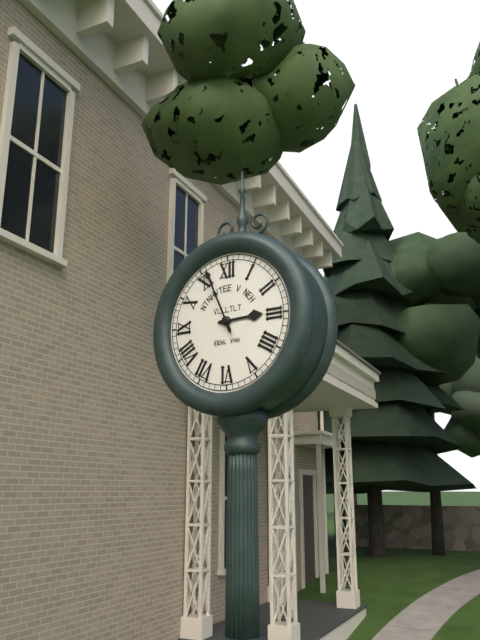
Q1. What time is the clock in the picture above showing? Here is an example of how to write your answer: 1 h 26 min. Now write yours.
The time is 2 h 56 min
